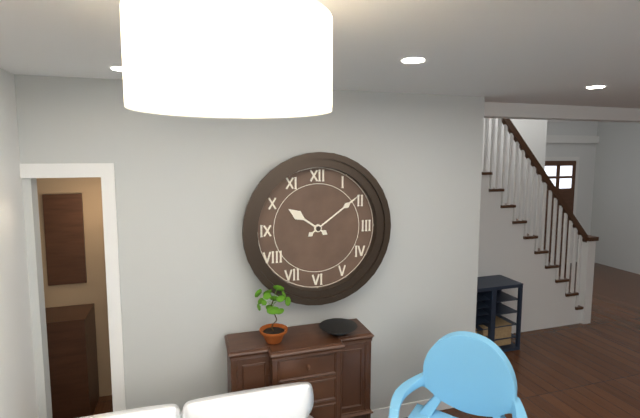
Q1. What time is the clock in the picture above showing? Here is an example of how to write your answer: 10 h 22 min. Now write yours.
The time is 10 h 09 min
